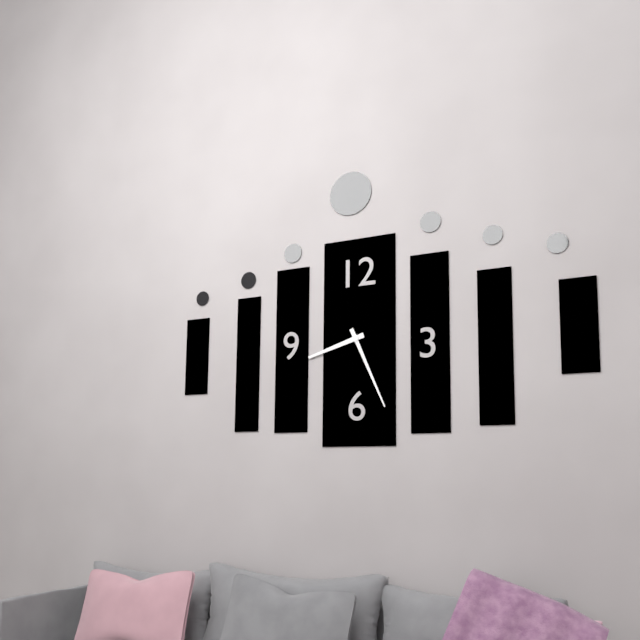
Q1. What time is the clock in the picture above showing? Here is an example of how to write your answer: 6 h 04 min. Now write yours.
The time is 8 h 26 min
